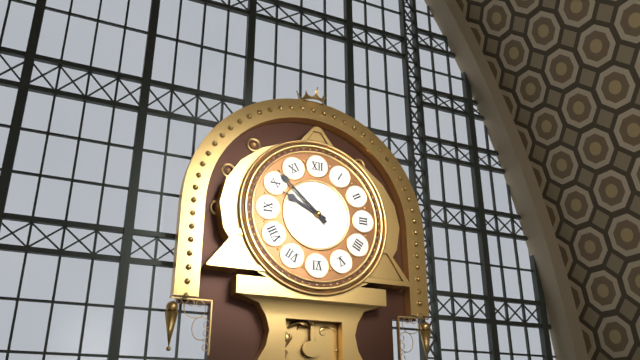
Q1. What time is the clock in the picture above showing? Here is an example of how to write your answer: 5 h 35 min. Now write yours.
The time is 9 h 52 min
